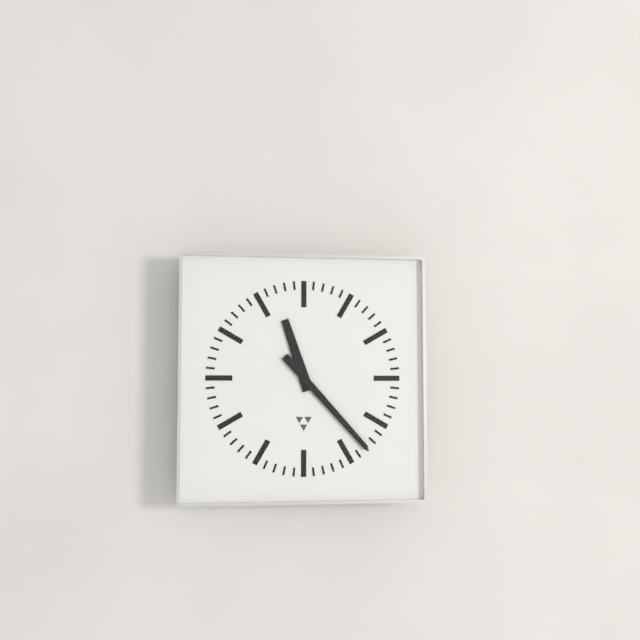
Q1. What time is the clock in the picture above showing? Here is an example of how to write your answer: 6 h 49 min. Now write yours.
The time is 11 h 23 min
